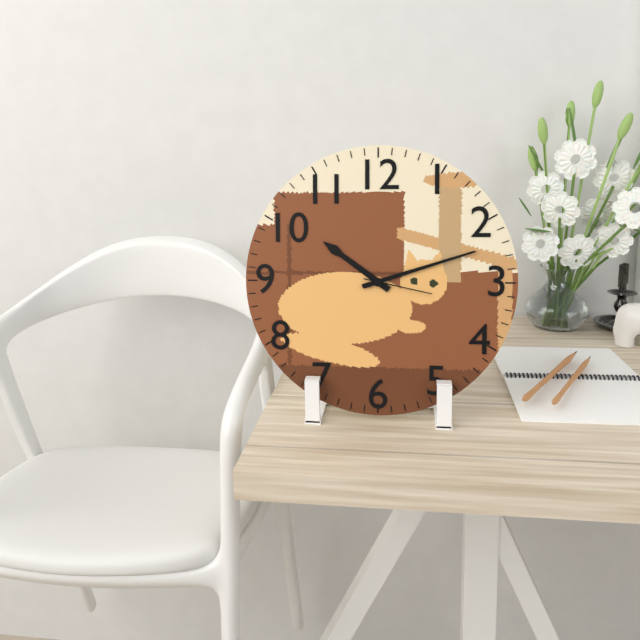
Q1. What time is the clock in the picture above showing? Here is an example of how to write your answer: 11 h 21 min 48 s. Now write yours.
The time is 10 h 12 min 17 s
